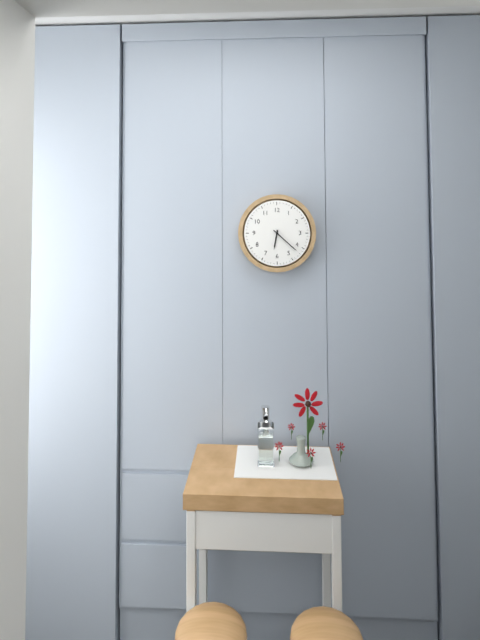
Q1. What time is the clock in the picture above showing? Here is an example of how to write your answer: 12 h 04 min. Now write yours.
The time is 6 h 22 min
